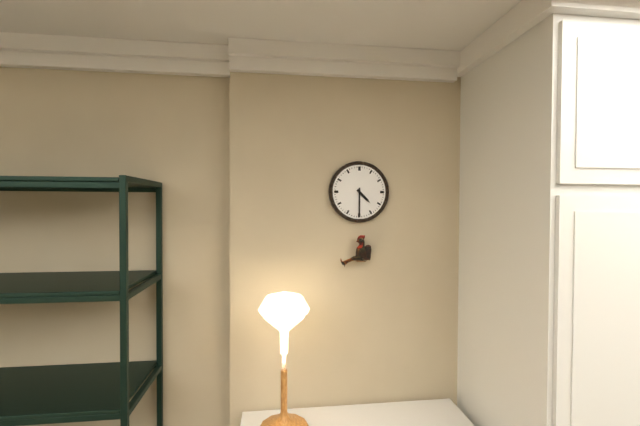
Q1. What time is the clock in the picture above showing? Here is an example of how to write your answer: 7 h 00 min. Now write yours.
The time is 4 h 30 min
